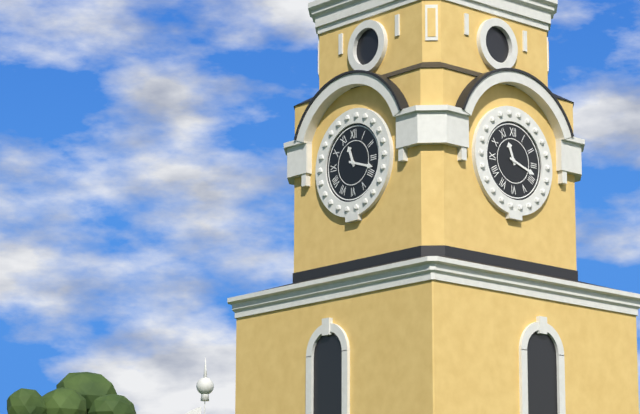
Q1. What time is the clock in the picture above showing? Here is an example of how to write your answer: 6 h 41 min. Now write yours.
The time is 11 h 18 min
